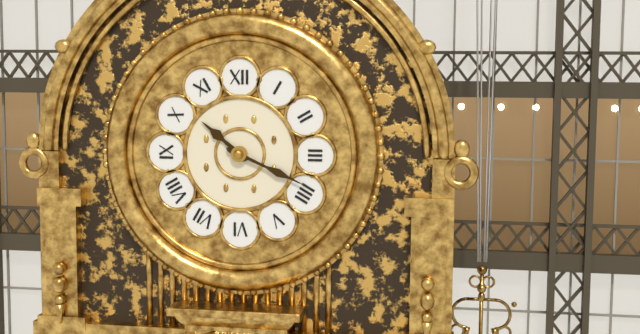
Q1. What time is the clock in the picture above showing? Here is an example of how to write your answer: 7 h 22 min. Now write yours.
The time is 10 h 19 min
